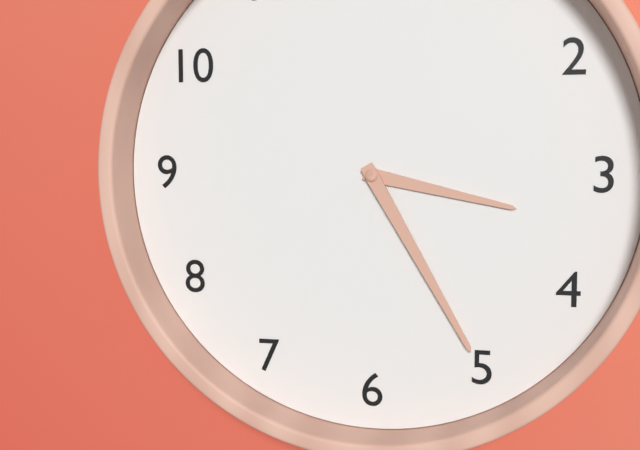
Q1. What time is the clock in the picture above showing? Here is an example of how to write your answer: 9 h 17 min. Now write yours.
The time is 3 h 25 min
